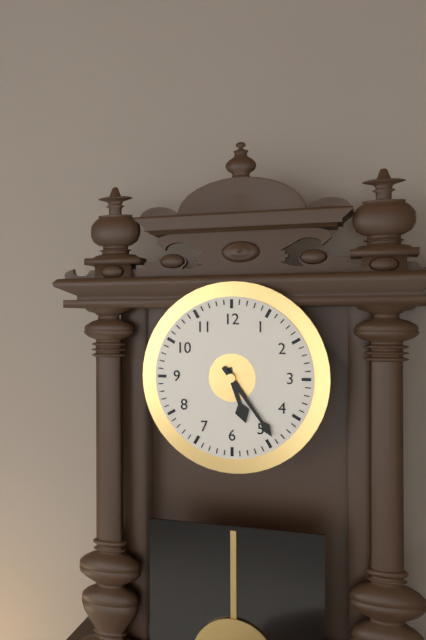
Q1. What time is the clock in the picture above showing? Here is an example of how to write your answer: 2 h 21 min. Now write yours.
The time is 5 h 24 min
